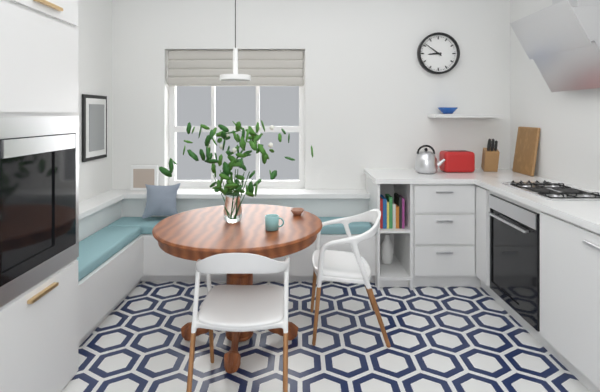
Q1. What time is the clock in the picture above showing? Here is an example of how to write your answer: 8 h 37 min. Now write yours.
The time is 8 h 51 min
